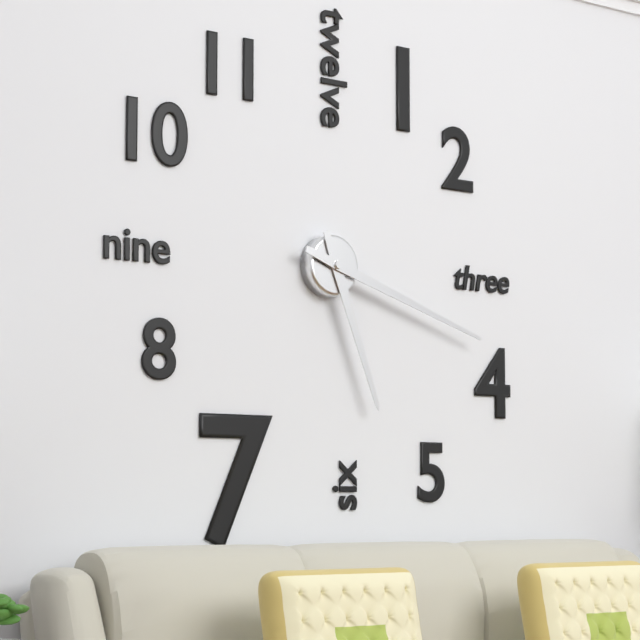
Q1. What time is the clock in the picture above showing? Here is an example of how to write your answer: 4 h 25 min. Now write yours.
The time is 5 h 18 min
